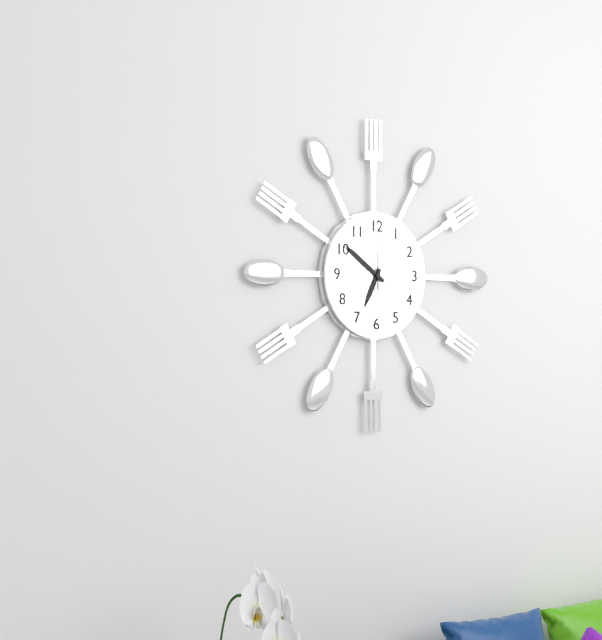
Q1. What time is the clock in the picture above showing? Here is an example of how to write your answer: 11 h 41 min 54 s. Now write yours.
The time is 6 h 51 min 00 s
